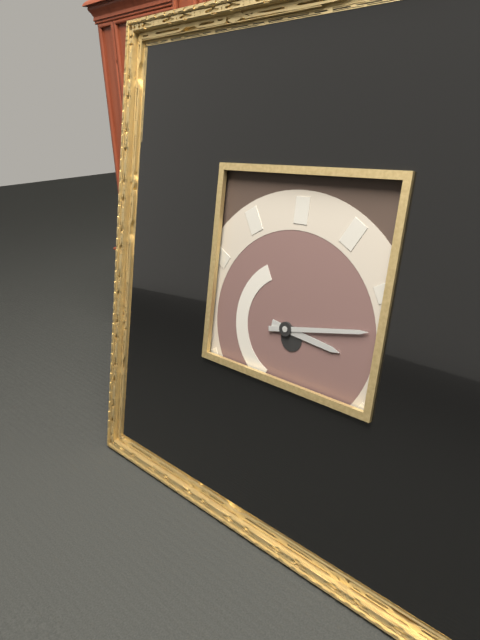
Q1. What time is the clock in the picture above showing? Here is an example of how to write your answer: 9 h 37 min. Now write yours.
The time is 3 h 13 min
